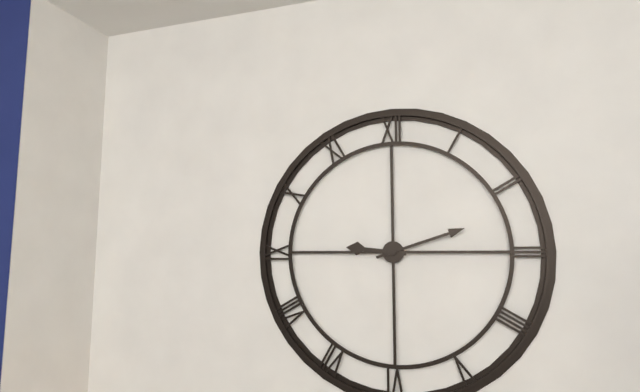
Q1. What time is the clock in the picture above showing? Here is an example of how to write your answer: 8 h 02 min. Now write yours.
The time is 9 h 12 min
